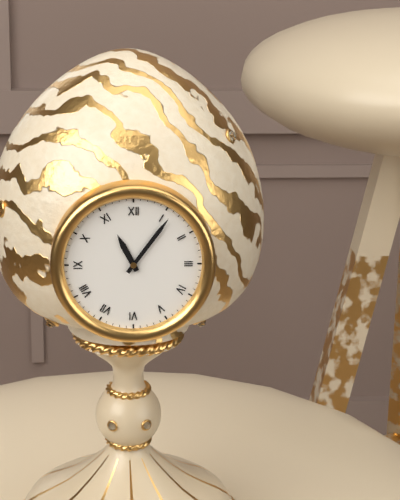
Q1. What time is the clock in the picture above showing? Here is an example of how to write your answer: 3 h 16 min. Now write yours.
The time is 11 h 06 min
